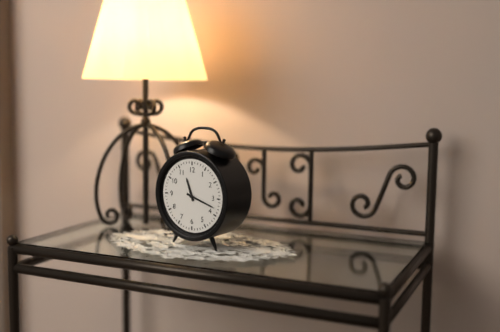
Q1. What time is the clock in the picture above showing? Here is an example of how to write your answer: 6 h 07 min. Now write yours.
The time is 11 h 18 min
